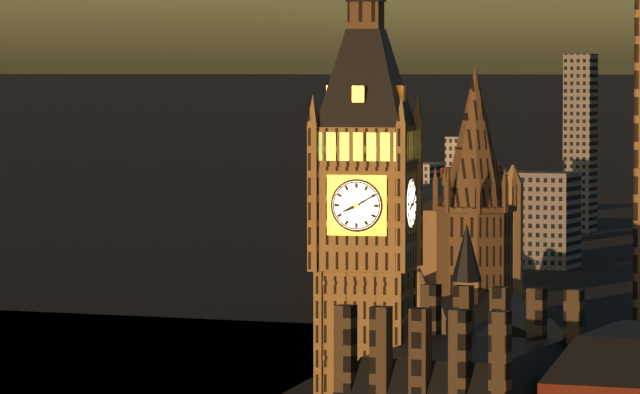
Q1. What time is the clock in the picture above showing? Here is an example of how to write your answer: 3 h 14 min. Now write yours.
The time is 8 h 10 min
